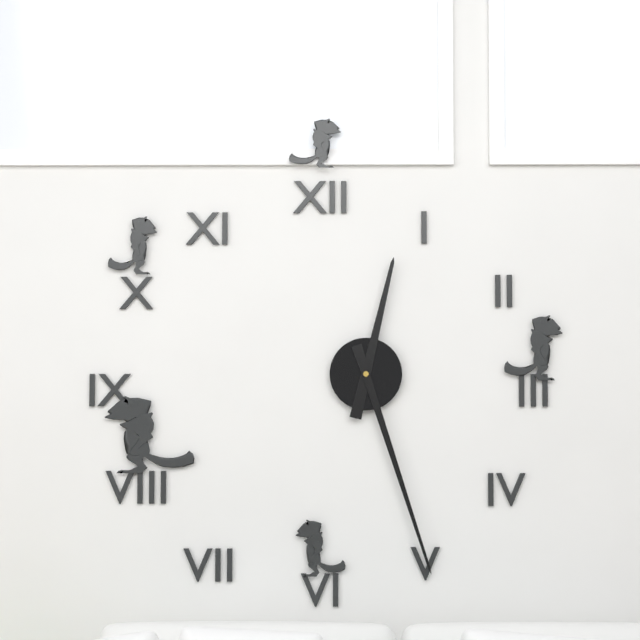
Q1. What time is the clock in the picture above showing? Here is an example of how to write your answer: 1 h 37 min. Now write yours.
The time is 12 h 27 min
